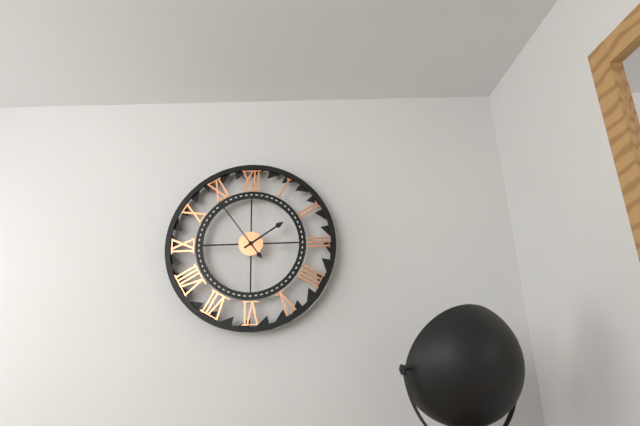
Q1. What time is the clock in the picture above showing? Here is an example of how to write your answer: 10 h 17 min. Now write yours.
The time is 1 h 54 min
